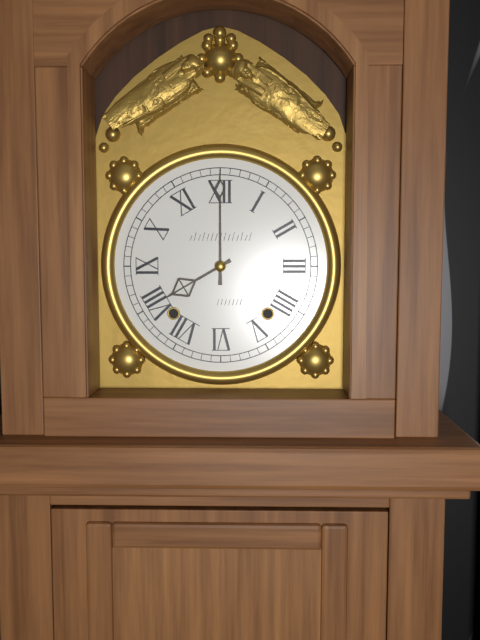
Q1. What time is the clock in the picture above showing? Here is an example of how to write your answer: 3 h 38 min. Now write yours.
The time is 8 h 00 min
